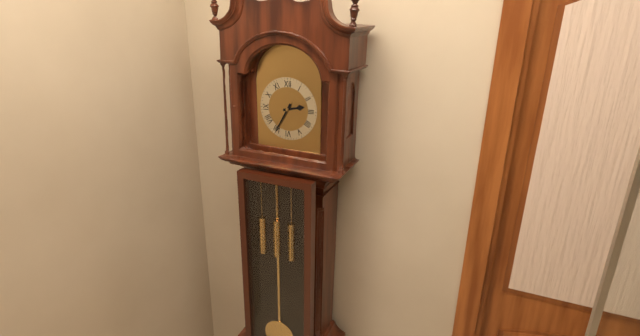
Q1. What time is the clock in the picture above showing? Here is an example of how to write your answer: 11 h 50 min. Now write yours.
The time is 2 h 35 min
